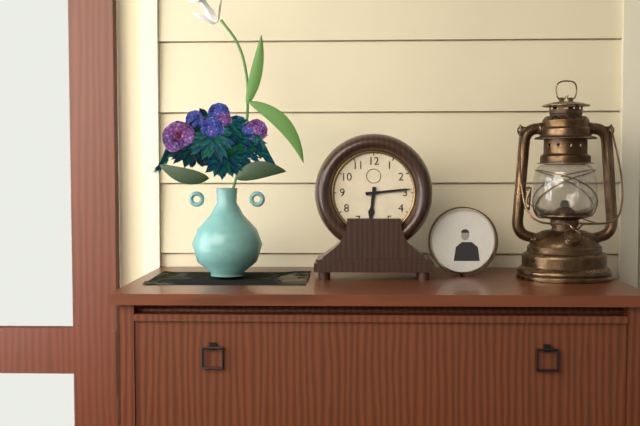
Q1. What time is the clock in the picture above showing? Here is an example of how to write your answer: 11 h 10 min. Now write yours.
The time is 6 h 14 min
